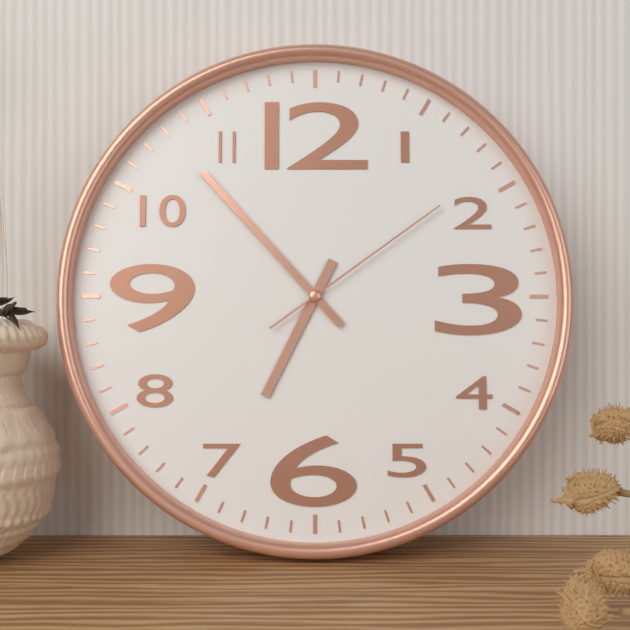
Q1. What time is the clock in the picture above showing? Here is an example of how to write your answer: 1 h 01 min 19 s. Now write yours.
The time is 6 h 53 min 09 s
